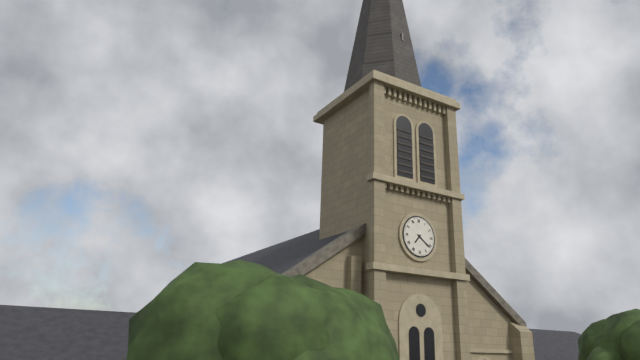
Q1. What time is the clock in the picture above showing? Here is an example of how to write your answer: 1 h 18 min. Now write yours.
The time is 7 h 21 min
